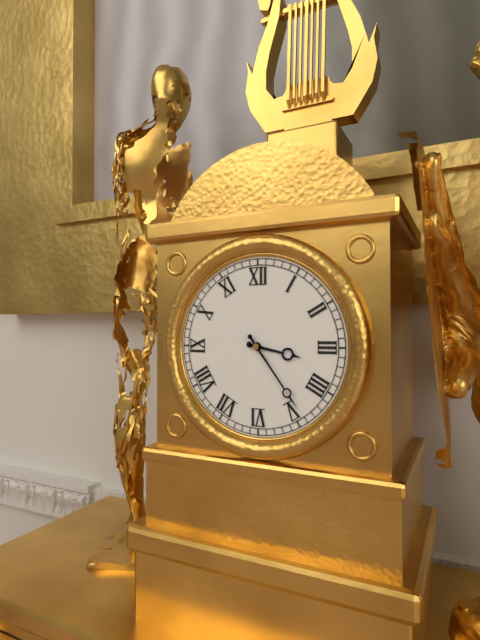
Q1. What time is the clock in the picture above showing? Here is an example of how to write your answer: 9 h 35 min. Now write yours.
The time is 3 h 24 min
